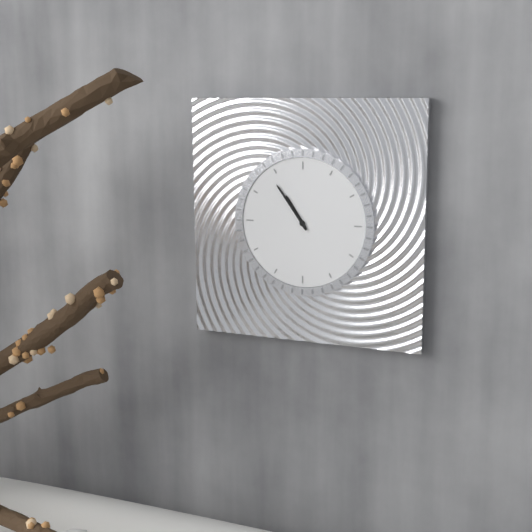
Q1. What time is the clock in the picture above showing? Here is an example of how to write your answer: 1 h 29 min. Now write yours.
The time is 10 h 54 min
